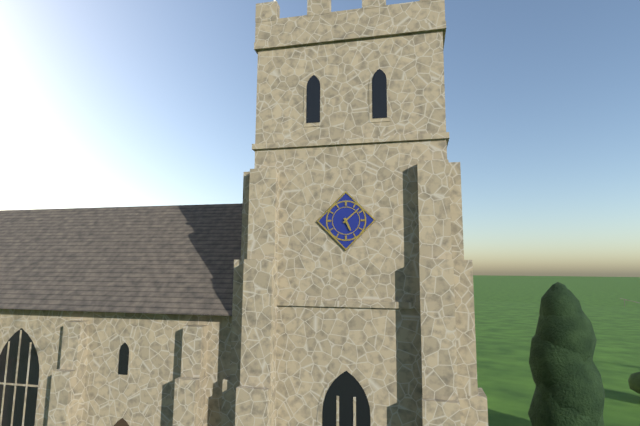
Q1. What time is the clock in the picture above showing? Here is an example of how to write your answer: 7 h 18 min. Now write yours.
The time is 5 h 08 min
